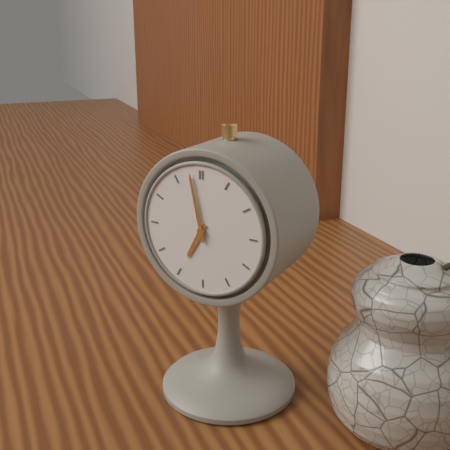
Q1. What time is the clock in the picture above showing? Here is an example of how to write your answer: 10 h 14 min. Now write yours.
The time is 6 h 58 min
